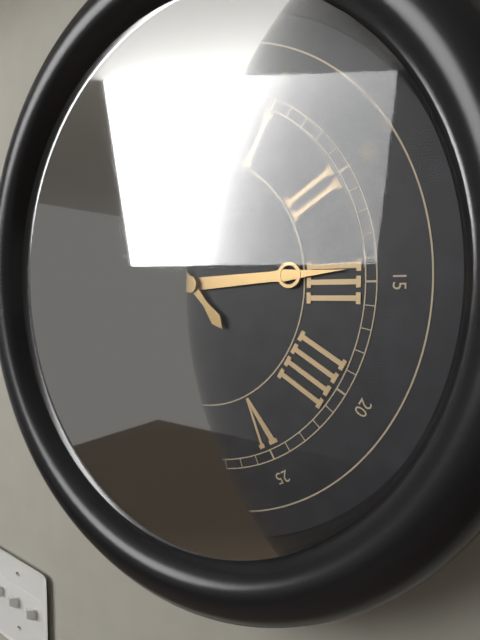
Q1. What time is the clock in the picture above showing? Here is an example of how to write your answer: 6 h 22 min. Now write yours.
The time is 2 h 53 min
